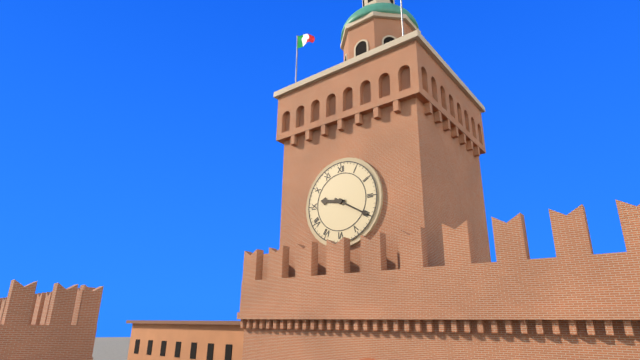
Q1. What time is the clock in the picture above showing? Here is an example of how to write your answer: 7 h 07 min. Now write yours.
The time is 9 h 20 min
